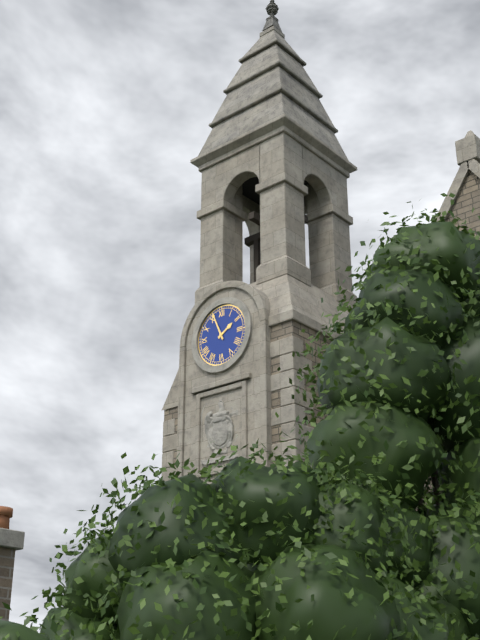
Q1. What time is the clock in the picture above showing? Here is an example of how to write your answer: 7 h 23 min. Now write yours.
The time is 1 h 56 min
